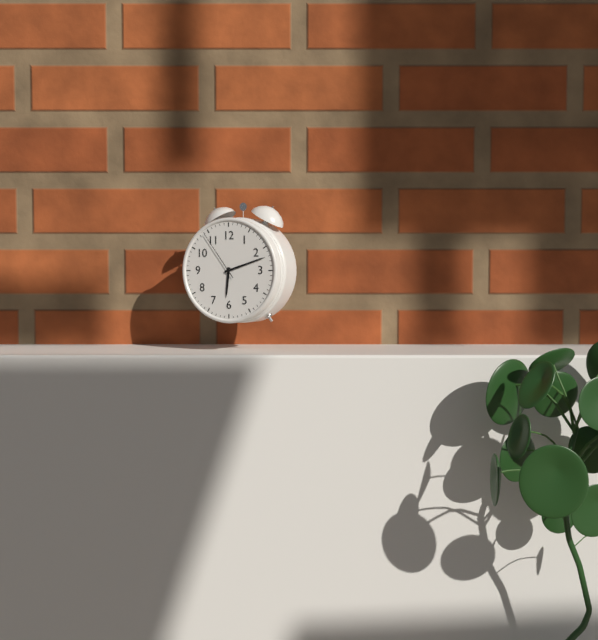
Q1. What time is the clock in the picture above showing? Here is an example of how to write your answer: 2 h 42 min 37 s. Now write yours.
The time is 6 h 12 min 54 s
